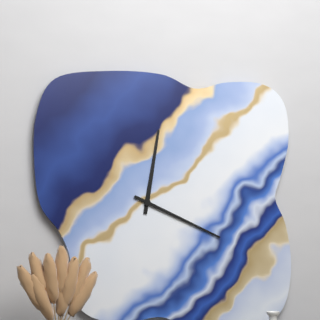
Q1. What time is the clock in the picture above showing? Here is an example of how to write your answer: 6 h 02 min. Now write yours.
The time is 12 h 19 min
